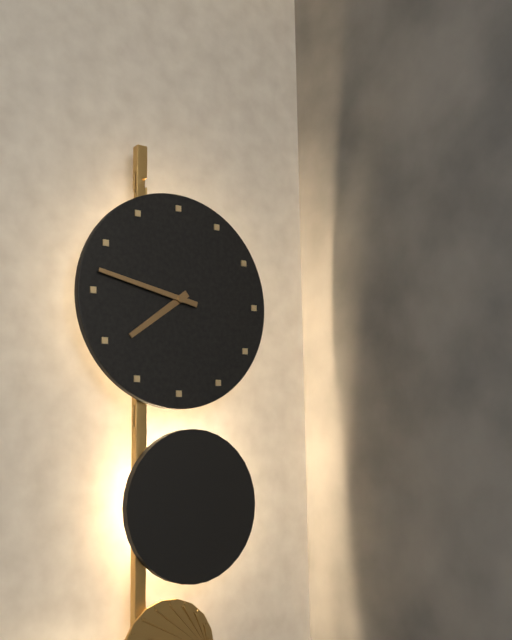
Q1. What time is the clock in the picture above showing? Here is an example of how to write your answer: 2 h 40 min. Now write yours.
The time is 7 h 47 min
